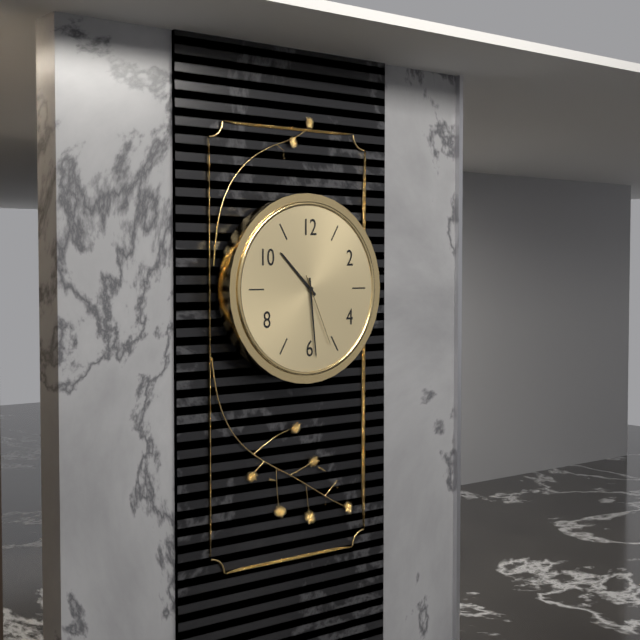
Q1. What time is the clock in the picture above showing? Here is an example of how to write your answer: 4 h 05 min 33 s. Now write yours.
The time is 10 h 29 min 26 s
